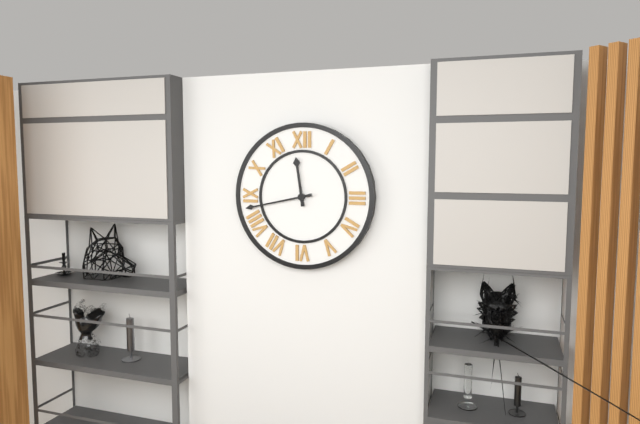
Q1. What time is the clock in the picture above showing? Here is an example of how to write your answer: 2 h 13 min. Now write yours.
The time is 11 h 43 min
